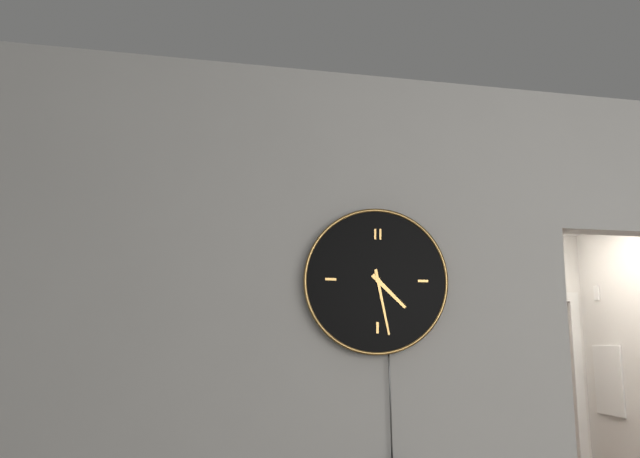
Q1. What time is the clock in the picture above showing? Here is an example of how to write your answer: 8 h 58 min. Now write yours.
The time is 4 h 28 min
